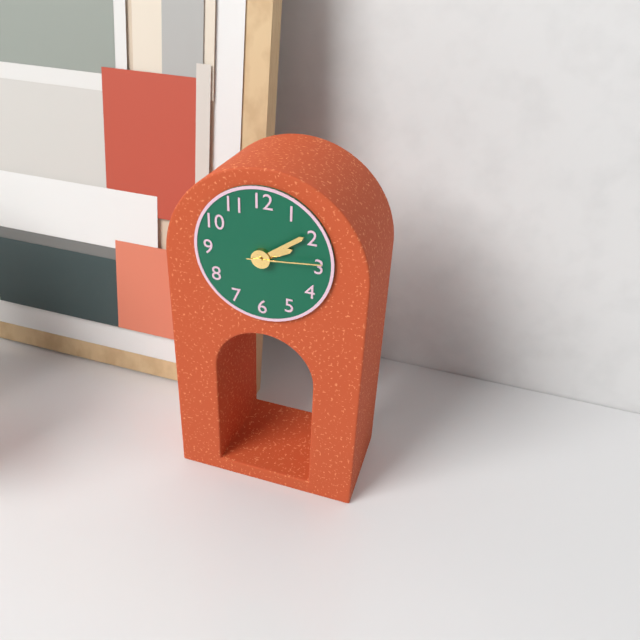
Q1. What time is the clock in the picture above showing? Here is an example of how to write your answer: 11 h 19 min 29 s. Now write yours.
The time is 2 h 09 min 14 s
